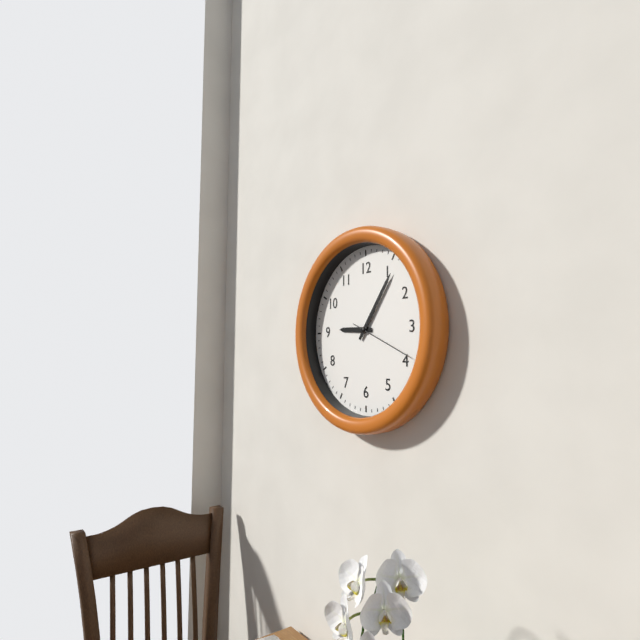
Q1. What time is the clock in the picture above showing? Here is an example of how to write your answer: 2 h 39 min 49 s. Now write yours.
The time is 9 h 06 min 19 s
